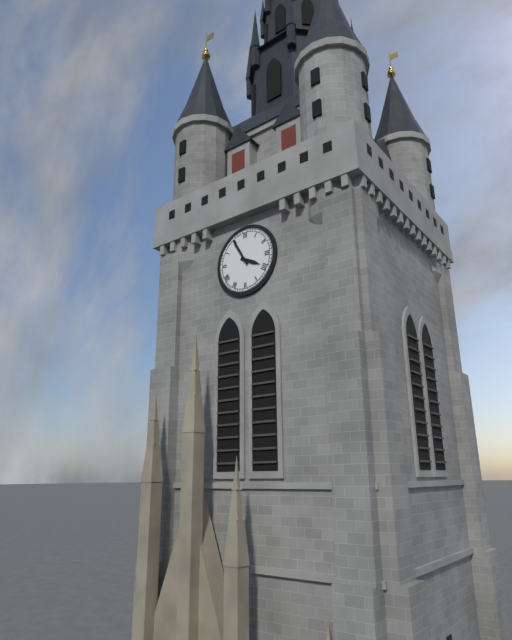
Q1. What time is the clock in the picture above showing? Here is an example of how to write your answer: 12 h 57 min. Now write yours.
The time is 3 h 55 min
